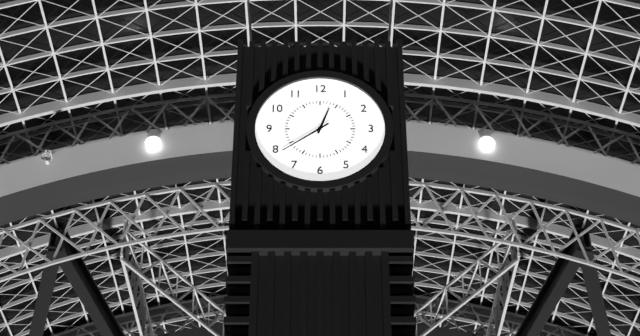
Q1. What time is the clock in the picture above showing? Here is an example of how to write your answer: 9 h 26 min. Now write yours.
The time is 12 h 39 min
